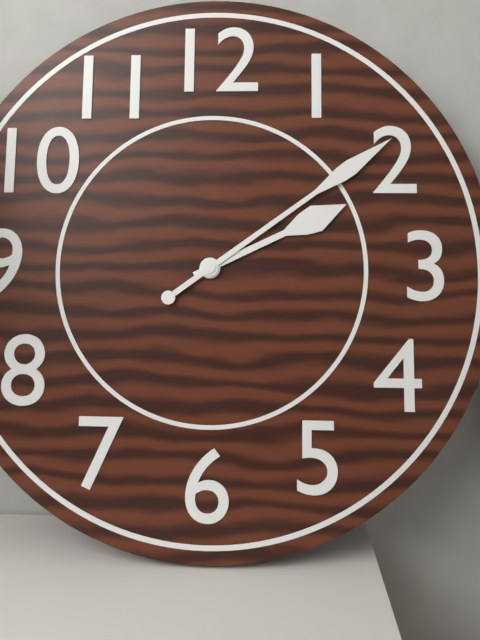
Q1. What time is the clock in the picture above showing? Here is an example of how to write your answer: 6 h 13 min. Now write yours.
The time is 2 h 09 min
